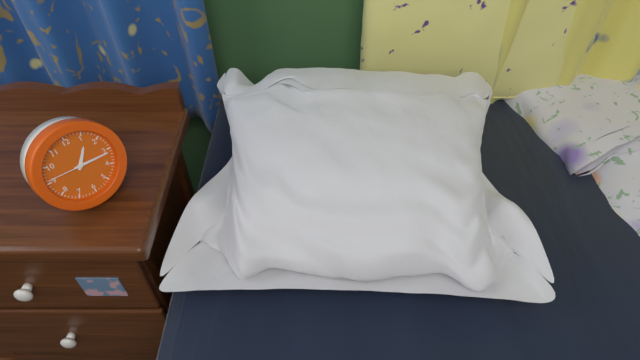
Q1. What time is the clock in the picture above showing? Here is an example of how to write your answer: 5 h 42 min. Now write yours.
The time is 1 h 16 min
